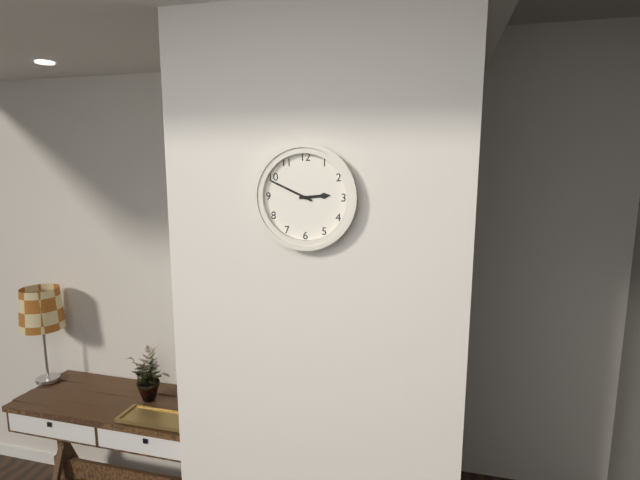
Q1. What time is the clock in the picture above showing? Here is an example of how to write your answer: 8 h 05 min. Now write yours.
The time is 2 h 49 min
